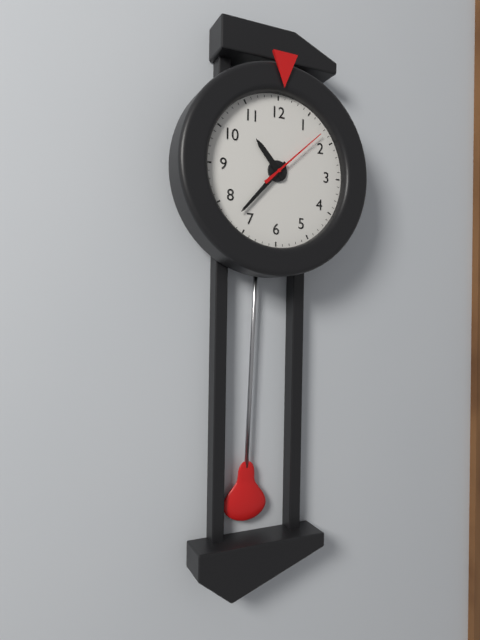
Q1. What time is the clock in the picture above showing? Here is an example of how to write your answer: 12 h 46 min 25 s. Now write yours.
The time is 10 h 37 min 08 s
